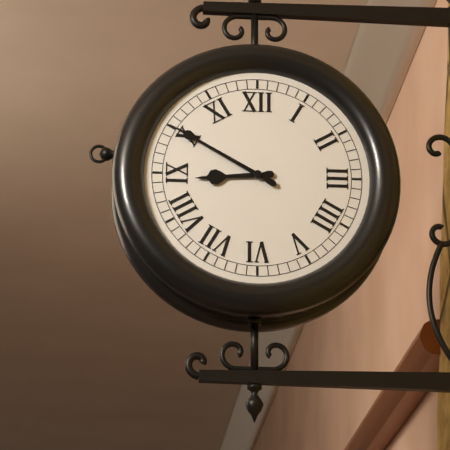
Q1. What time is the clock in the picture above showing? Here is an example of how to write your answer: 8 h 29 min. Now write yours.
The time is 8 h 50 min
